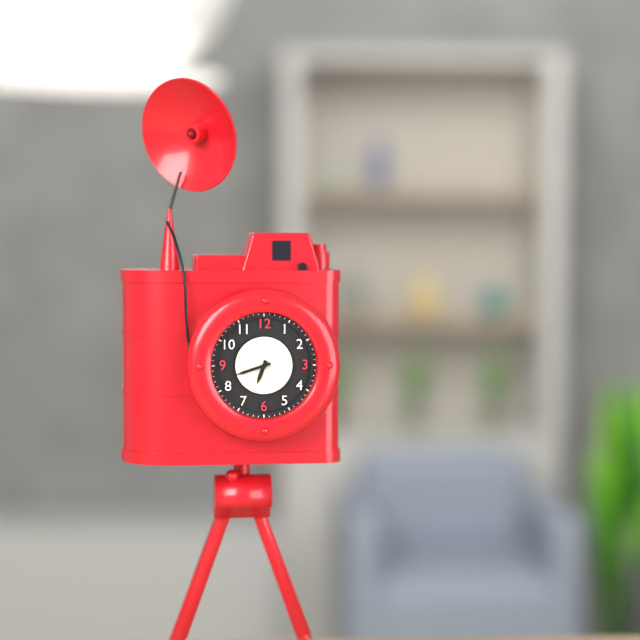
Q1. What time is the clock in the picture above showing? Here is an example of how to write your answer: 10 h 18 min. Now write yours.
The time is 6 h 42 min
